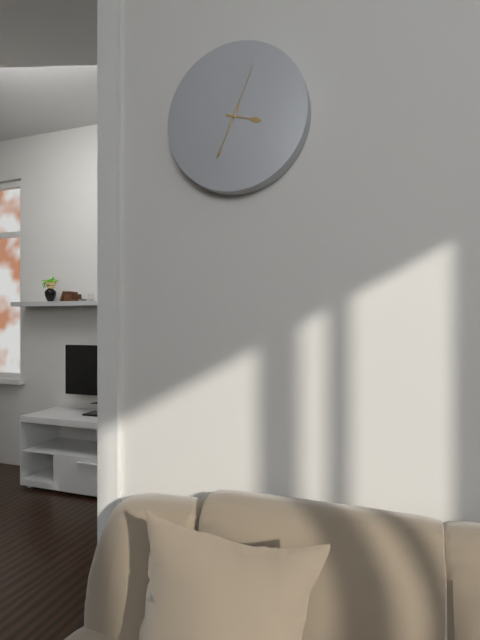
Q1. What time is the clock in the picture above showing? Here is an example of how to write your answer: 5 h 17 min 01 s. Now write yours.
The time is 3 h 34 min 04 s
